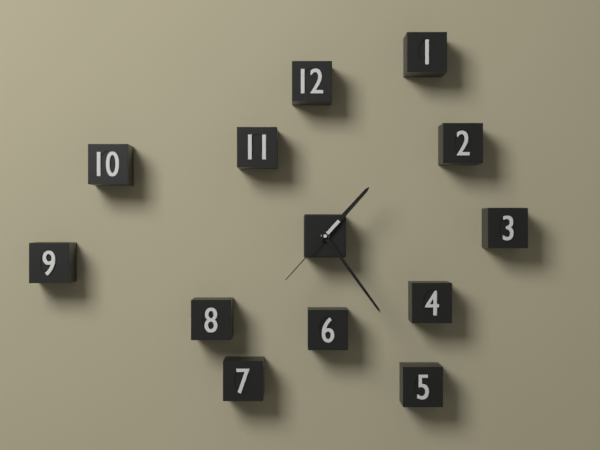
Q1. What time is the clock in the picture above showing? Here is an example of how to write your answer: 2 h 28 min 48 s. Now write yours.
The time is 1 h 24 min 37 s
